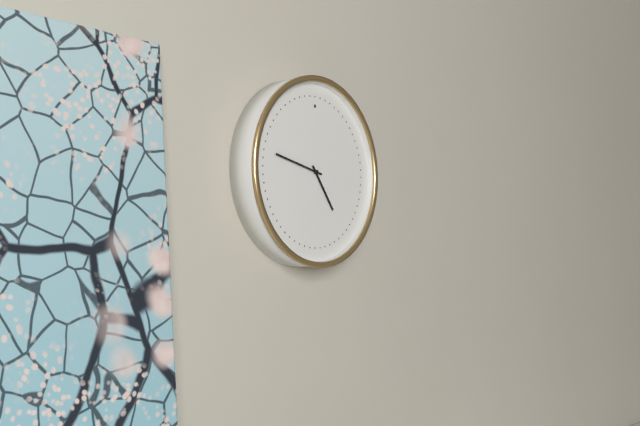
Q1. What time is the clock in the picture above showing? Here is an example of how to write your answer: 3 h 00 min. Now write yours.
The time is 4 h 47 min
